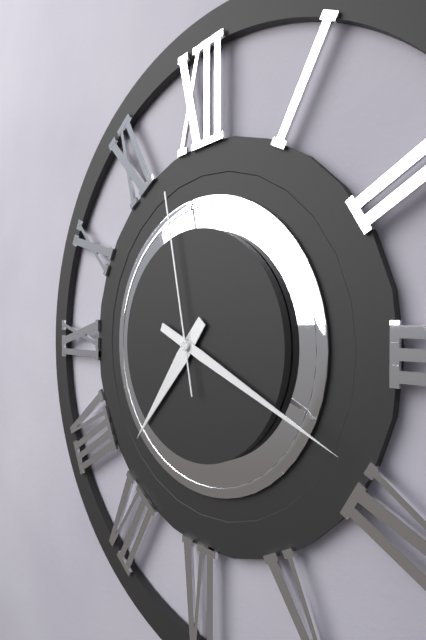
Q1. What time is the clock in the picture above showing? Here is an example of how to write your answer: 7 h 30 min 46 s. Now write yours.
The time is 7 h 19 min 58 s
